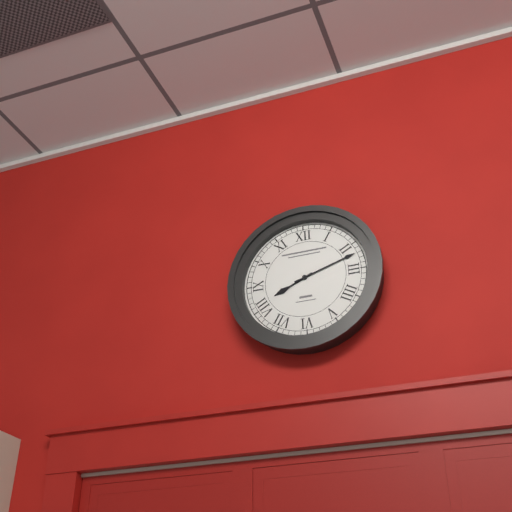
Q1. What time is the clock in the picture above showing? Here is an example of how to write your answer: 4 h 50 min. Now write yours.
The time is 8 h 12 min
